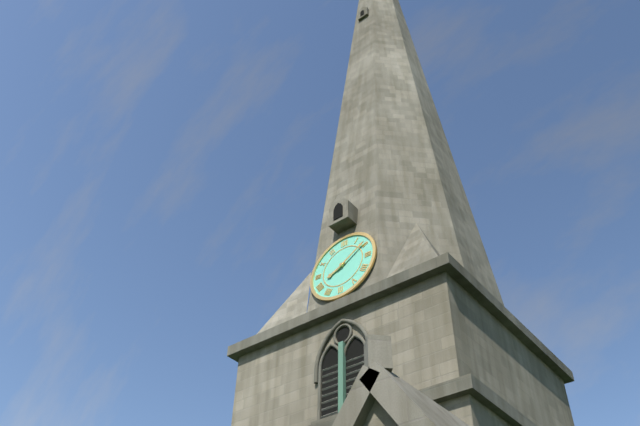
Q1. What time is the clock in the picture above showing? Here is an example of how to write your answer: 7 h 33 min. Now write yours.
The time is 8 h 09 min
